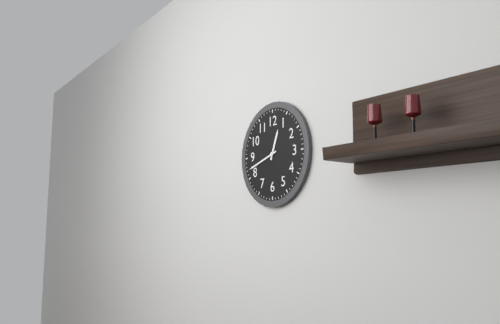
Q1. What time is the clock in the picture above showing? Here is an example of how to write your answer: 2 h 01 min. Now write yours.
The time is 12 h 42 min
